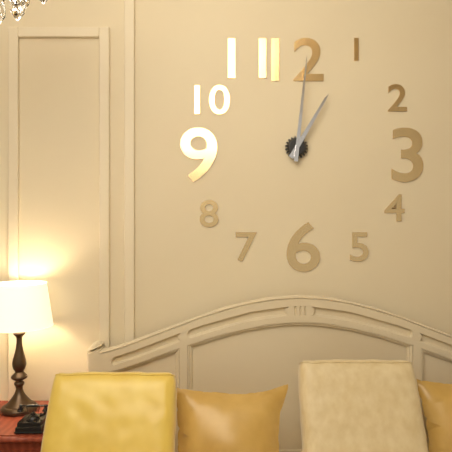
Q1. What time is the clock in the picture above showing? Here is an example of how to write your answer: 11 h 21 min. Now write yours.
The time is 1 h 01 min
